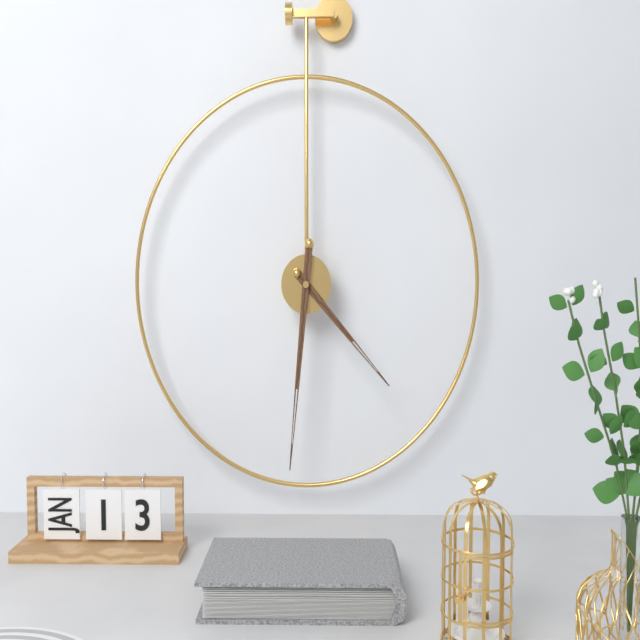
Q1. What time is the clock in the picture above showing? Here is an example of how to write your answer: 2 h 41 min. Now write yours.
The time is 4 h 31 min
